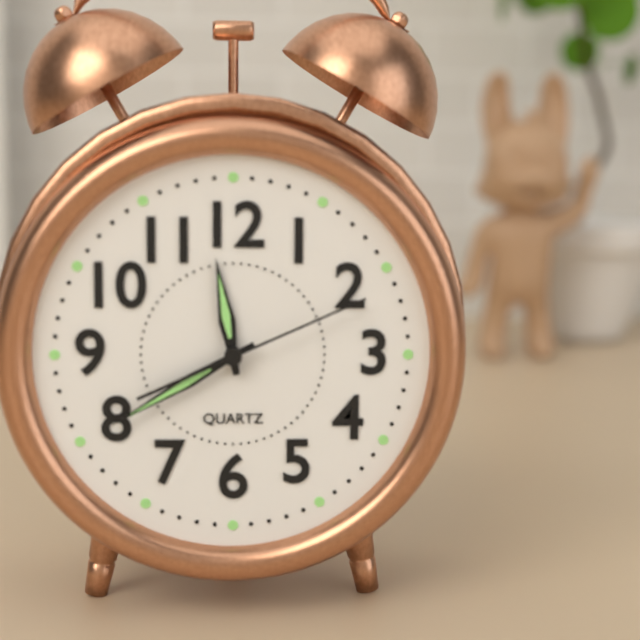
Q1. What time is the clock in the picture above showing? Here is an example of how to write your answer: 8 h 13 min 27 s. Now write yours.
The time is 11 h 40 min 11 s
